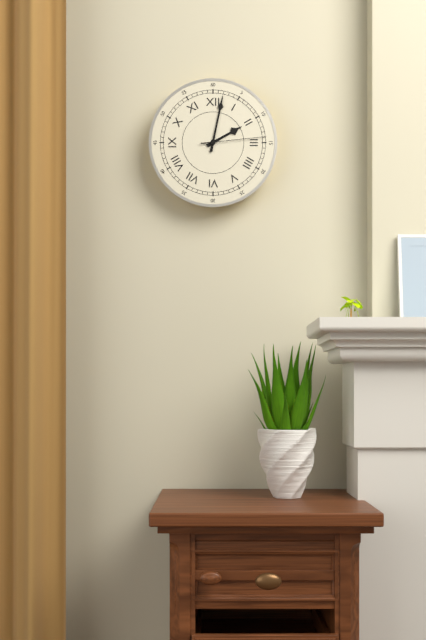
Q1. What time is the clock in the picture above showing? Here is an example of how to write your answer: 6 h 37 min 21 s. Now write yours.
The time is 2 h 02 min 14 s
